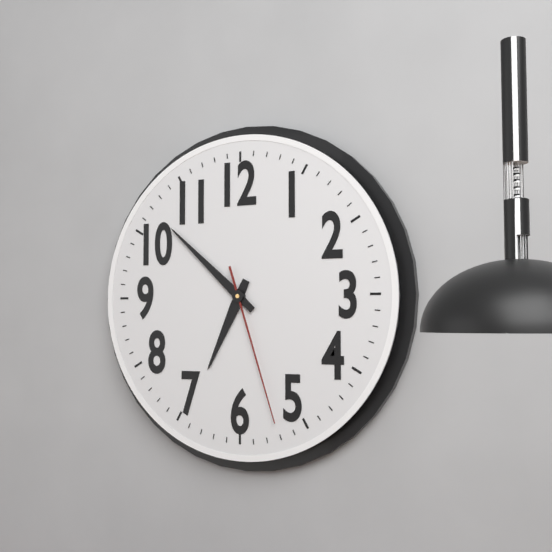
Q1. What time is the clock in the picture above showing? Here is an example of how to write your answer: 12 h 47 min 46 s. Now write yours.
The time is 6 h 52 min 27 s
